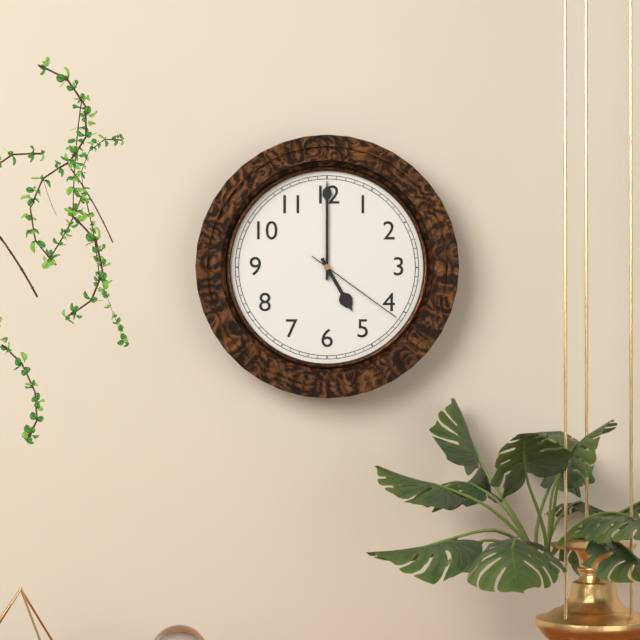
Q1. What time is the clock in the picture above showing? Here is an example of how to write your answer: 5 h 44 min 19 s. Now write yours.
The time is 5 h 00 min 21 s
